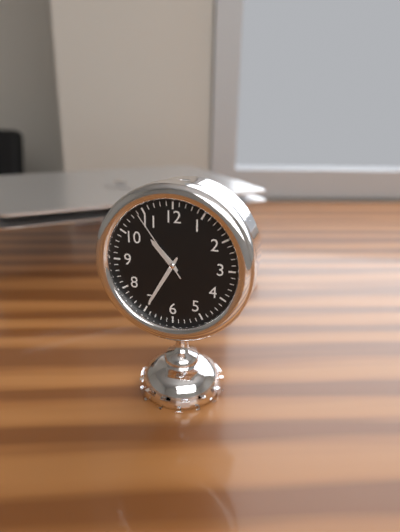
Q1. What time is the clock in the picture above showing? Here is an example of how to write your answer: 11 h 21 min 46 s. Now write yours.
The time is 10 h 35 min 54 s
